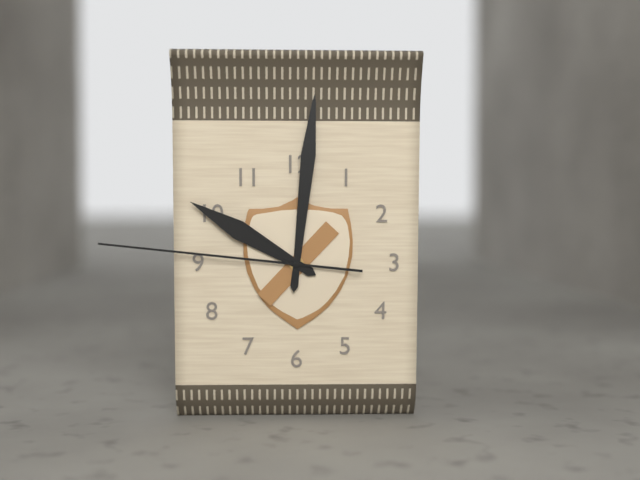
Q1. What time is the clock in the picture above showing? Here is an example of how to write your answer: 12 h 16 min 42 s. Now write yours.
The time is 10 h 01 min 46 s
